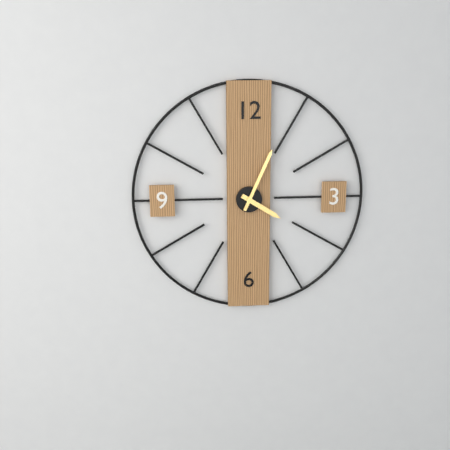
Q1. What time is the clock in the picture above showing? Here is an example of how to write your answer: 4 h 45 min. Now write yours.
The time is 4 h 04 min
